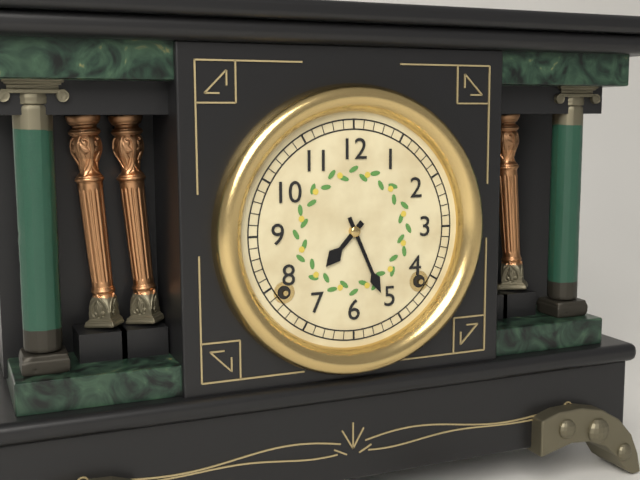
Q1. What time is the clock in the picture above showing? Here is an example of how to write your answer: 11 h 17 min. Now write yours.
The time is 7 h 26 min
